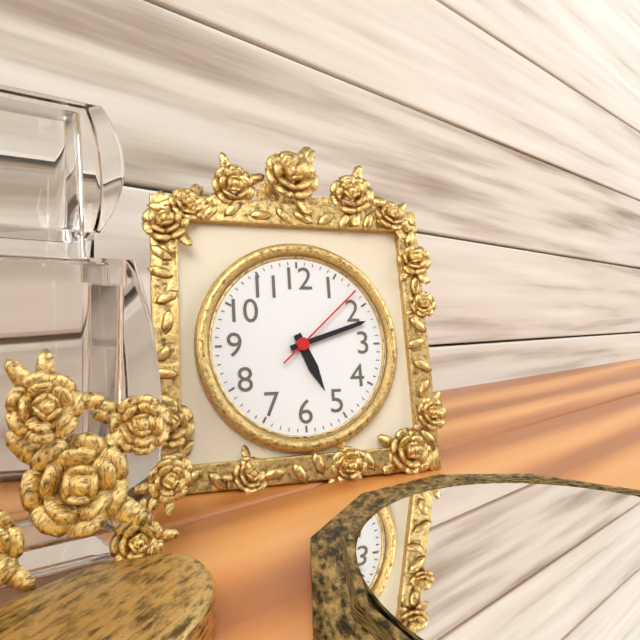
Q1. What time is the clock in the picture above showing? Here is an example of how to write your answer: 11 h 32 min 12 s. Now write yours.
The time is 5 h 12 min 08 s
